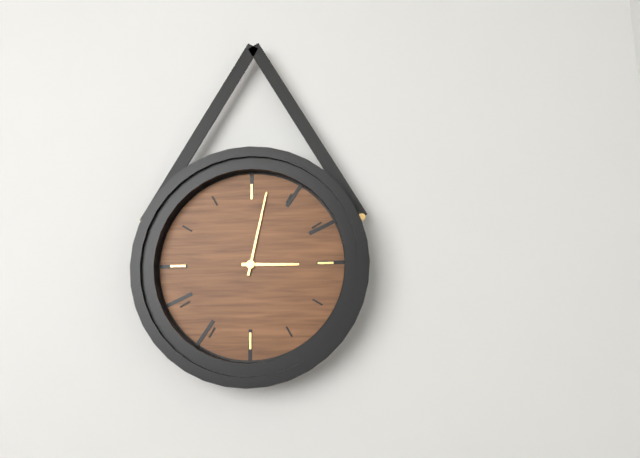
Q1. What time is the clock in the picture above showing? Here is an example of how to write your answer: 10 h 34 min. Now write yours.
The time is 3 h 02 min
